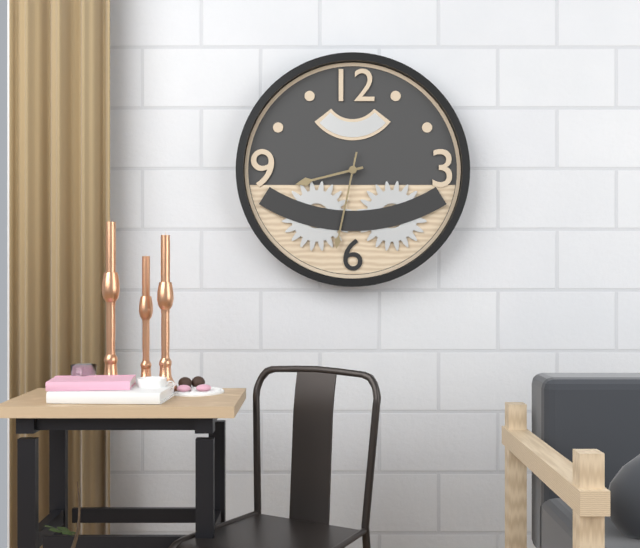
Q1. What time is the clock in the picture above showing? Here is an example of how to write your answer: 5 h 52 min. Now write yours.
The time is 8 h 32 min
